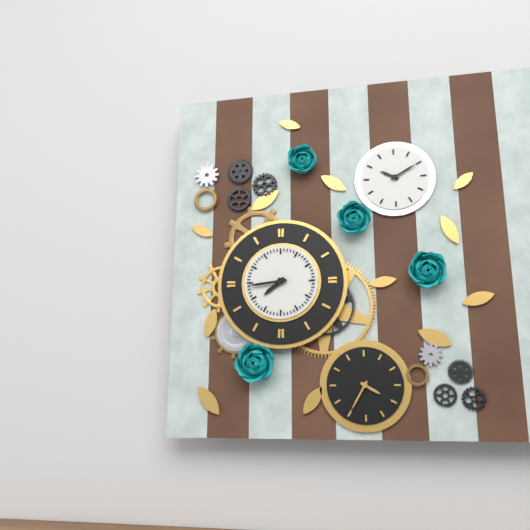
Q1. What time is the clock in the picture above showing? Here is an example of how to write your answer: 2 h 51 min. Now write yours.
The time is 7 h 44 min
